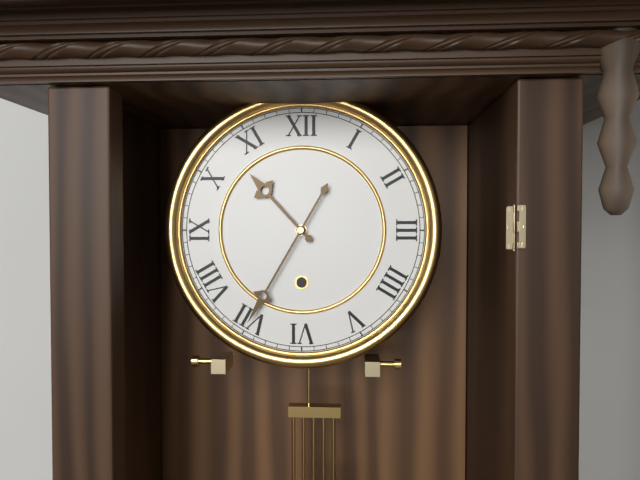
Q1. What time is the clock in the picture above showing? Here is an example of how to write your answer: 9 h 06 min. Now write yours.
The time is 10 h 35 min
